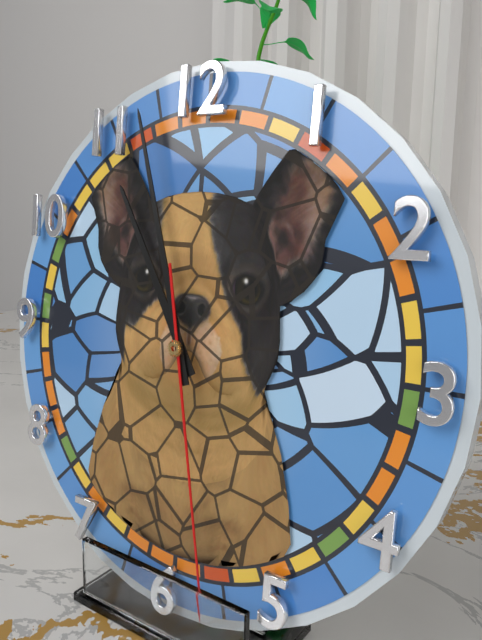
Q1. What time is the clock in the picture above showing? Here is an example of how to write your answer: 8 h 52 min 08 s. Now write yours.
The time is 10 h 57 min 28 s
